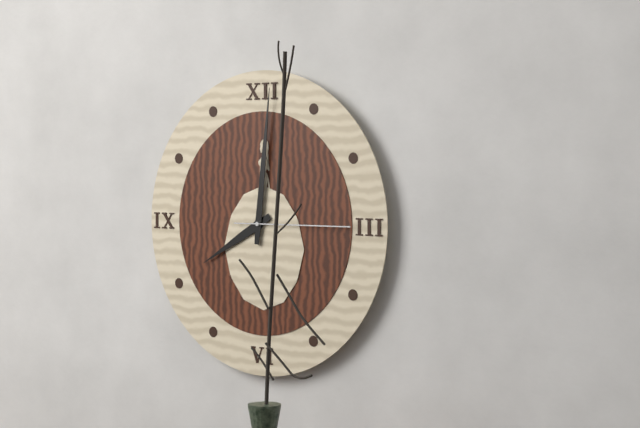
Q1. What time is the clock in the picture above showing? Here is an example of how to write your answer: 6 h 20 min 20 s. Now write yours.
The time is 8 h 01 min 15 s
